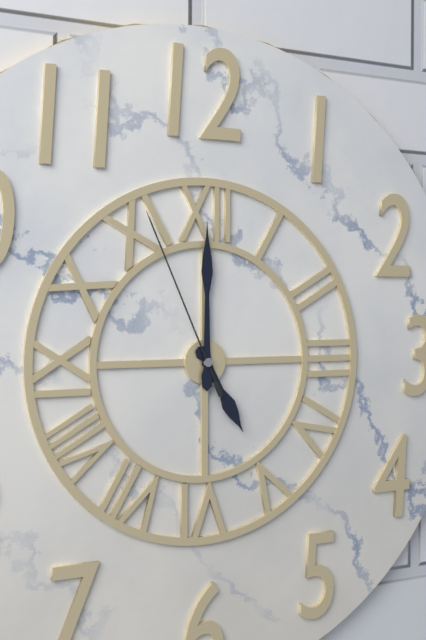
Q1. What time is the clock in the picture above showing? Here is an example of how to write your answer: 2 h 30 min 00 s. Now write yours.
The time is 5 h 00 min 56 s
